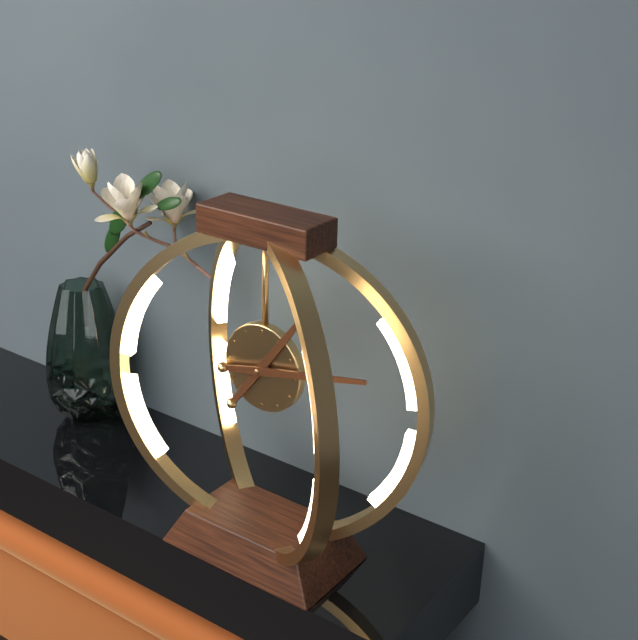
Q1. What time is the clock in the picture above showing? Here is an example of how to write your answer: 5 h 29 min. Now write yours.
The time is 1 h 13 min
